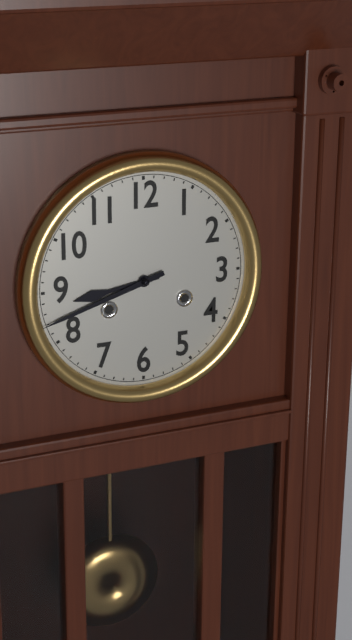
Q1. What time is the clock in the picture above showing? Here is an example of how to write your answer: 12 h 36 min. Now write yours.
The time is 8 h 42 min
